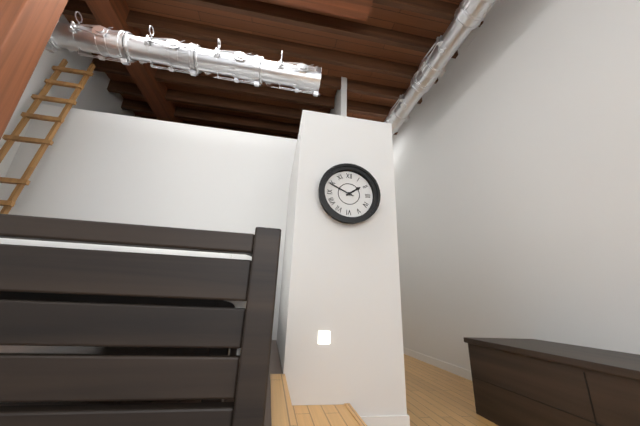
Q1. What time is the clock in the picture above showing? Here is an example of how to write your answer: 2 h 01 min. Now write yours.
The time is 1 h 49 min
